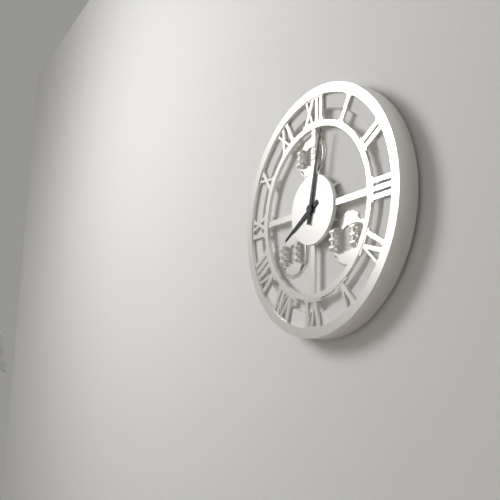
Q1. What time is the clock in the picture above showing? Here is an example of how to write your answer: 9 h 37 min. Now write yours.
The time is 8 h 02 min
